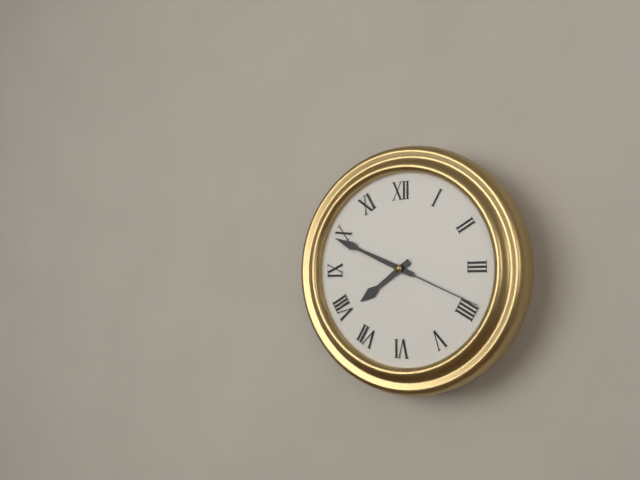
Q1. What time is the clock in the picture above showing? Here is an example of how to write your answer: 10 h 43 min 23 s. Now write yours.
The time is 7 h 49 min 19 s
